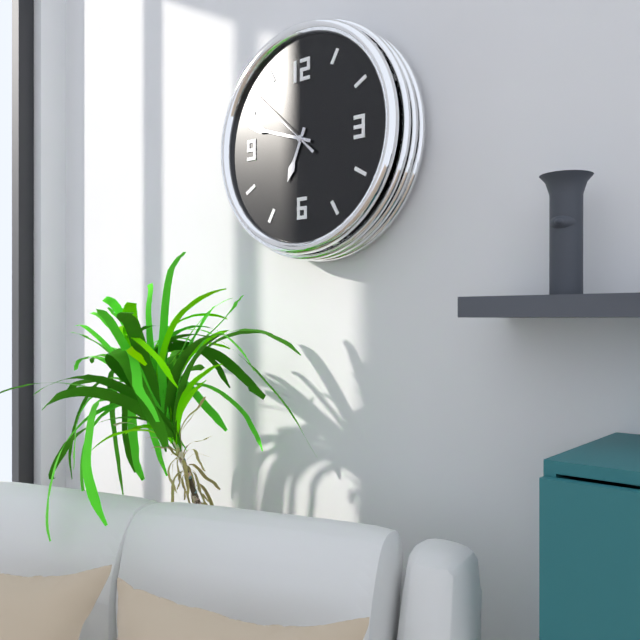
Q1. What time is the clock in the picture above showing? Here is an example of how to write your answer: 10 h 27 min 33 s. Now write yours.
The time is 6 h 48 min 52 s
